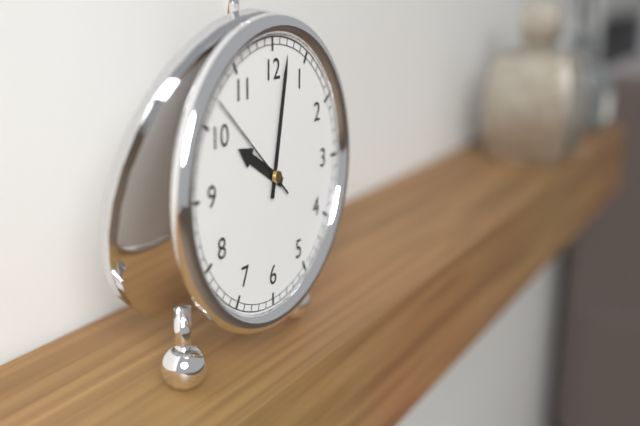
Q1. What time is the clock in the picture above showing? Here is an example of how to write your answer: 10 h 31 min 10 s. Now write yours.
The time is 10 h 02 min 52 s
